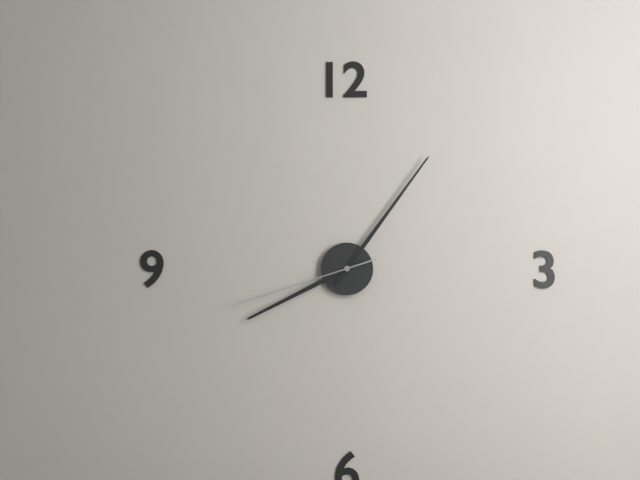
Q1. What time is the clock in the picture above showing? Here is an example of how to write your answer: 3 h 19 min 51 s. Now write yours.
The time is 8 h 06 min 42 s
